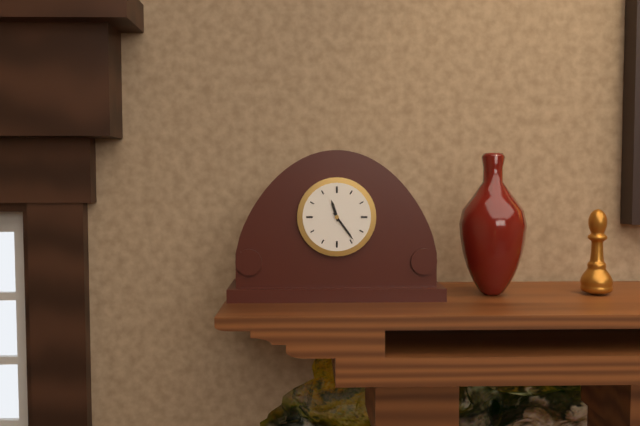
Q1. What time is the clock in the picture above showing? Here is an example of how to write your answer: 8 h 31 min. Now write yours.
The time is 11 h 24 min
